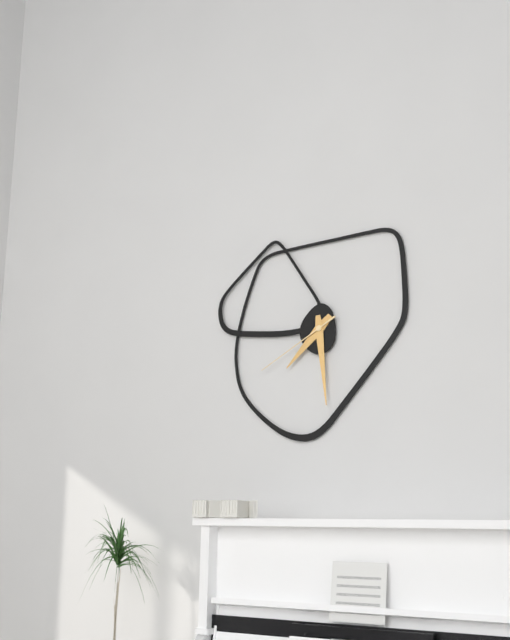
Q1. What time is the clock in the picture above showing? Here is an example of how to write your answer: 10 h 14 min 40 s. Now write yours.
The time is 7 h 29 min 40 s
